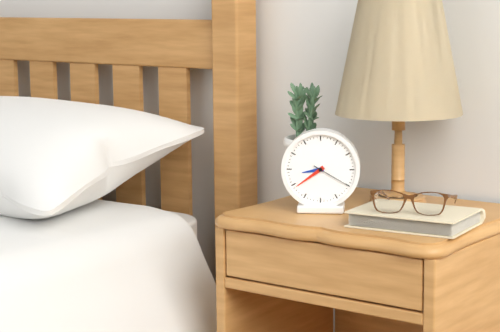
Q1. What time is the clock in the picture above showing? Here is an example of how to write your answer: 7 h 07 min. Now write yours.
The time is 8 h 39 min
